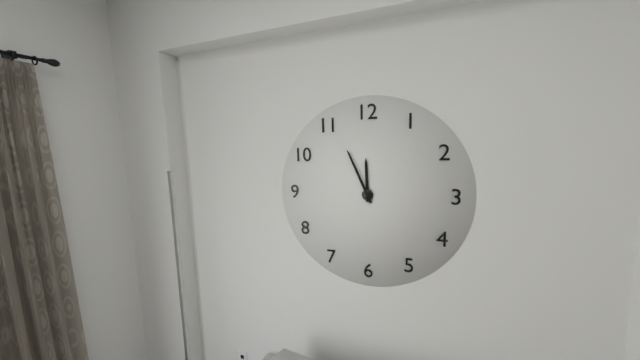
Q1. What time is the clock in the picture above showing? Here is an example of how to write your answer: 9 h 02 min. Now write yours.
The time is 11 h 56 min
